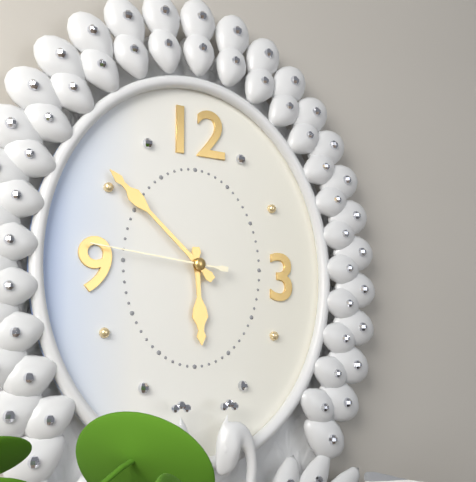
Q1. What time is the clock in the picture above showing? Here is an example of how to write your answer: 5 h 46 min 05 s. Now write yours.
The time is 5 h 52 min 46 s
